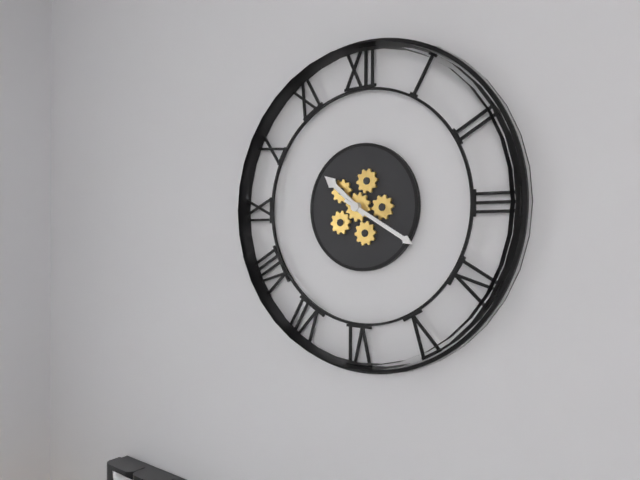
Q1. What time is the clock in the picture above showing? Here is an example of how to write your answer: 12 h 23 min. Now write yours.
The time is 10 h 20 min
